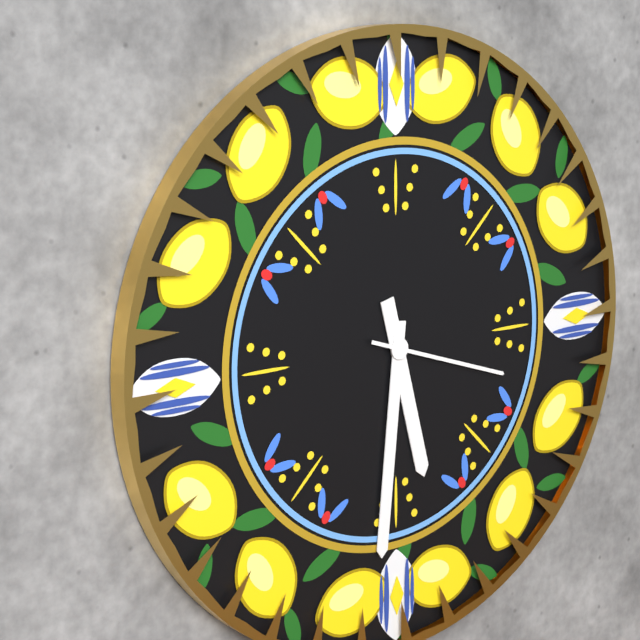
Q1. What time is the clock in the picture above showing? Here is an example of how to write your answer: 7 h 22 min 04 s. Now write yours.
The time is 5 h 31 min 18 s
